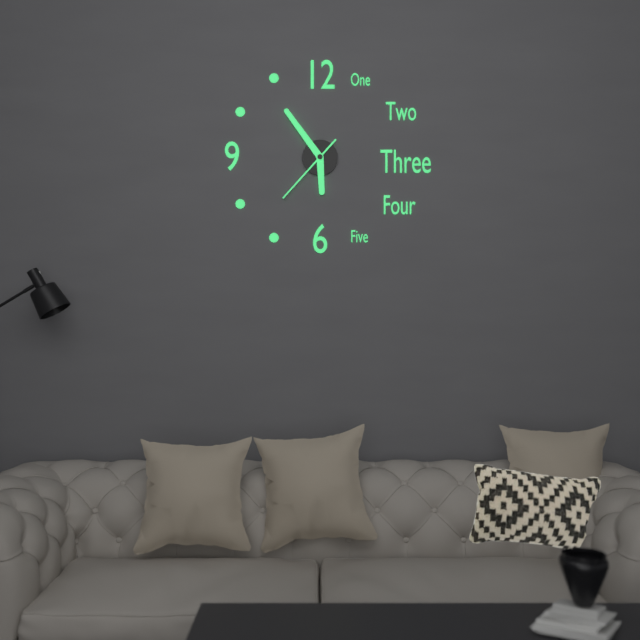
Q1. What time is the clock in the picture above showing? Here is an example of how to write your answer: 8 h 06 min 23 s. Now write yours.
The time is 5 h 54 min 37 s
